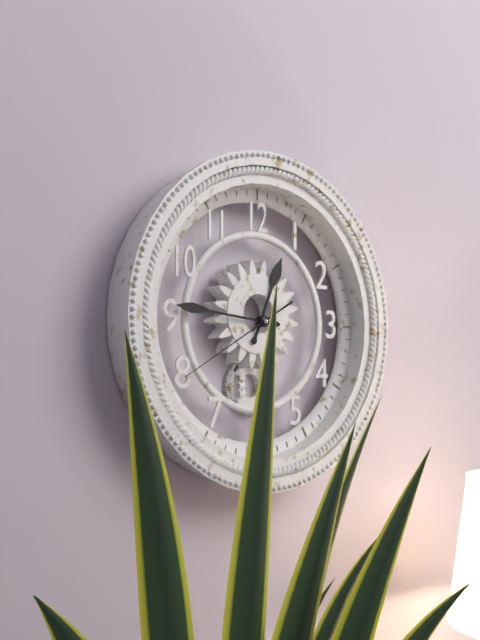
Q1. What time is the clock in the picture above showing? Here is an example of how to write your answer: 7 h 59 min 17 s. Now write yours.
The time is 12 h 46 min 40 s
